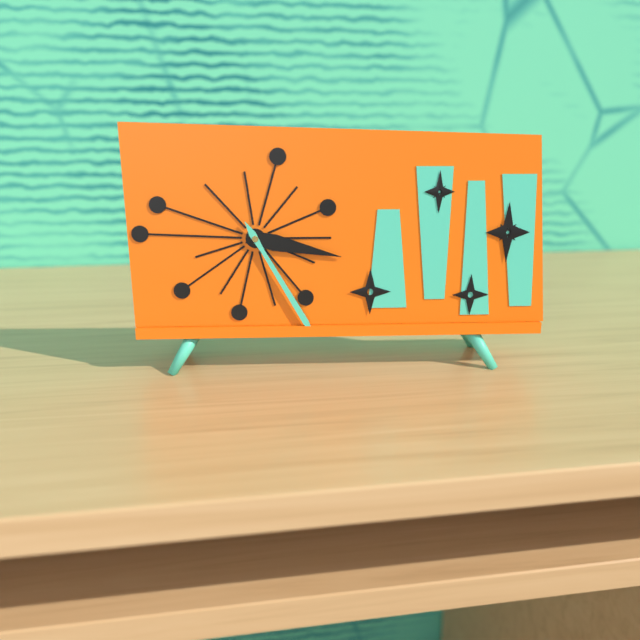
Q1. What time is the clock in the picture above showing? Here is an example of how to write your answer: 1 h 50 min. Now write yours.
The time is 3 h 25 min
